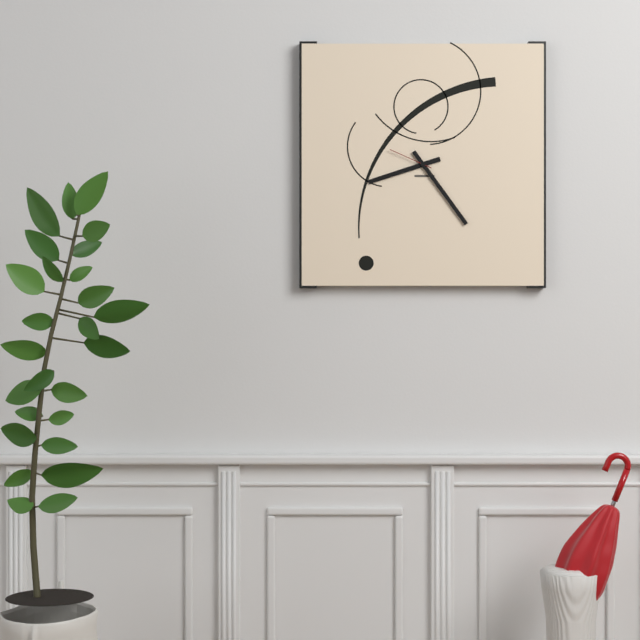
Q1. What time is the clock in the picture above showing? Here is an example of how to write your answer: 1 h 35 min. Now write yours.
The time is 8 h 24 min
